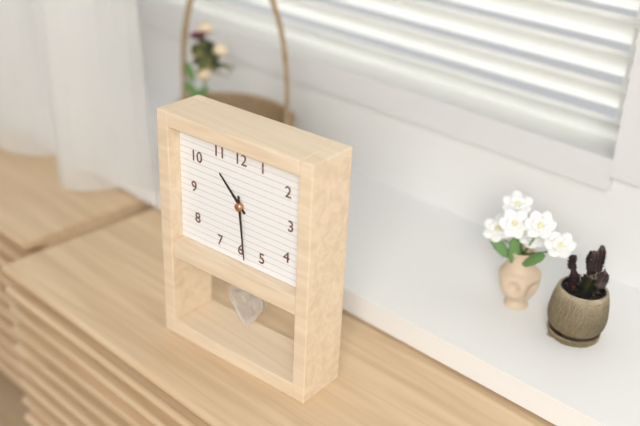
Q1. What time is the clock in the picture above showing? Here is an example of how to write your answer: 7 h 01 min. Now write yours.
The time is 10 h 29 min
